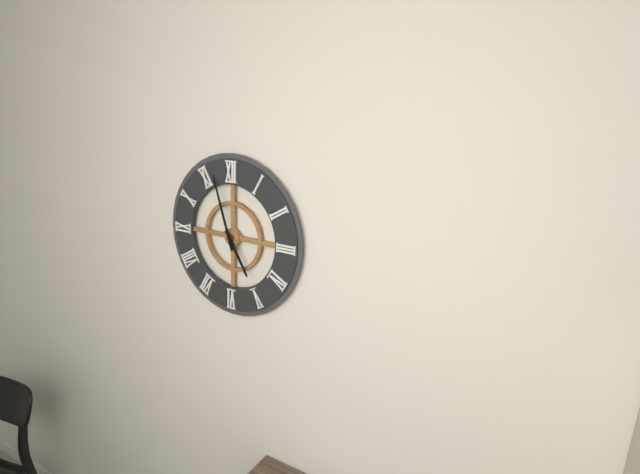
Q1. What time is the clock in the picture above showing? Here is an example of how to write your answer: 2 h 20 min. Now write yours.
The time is 4 h 57 min
